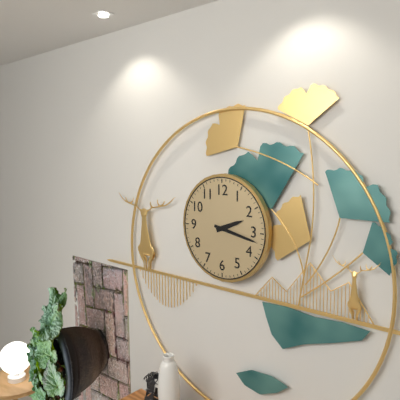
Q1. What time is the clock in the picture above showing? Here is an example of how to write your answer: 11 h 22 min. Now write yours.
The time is 2 h 17 min
